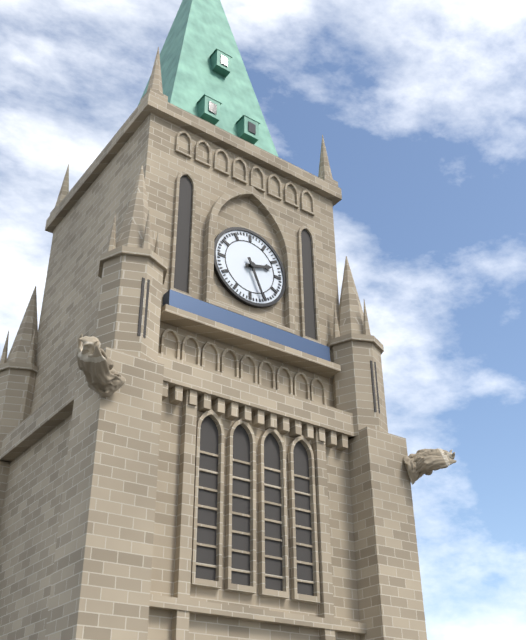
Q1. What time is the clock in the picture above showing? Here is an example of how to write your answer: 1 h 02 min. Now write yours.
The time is 2 h 26 min
